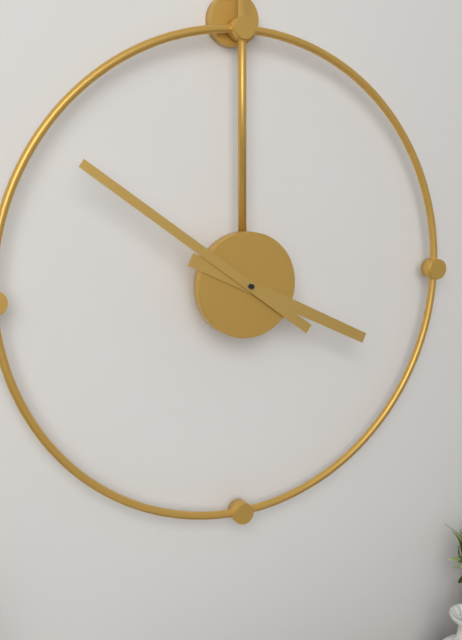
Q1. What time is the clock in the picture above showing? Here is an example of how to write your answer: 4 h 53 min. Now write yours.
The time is 3 h 51 min
